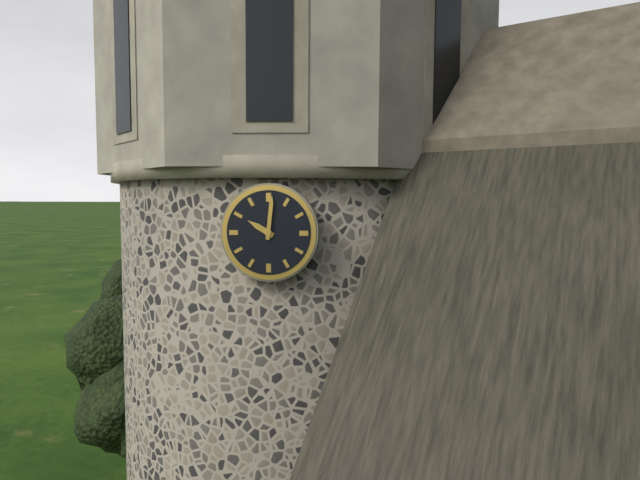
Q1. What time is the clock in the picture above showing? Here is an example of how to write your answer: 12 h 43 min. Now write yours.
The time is 10 h 01 min
